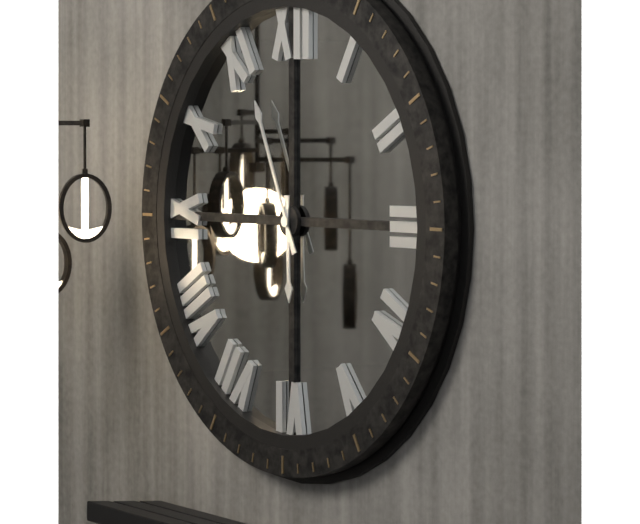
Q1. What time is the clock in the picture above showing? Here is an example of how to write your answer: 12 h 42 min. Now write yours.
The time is 5 h 56 min
